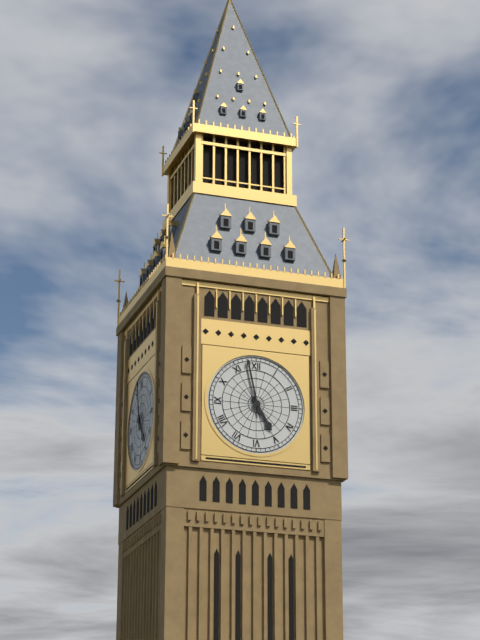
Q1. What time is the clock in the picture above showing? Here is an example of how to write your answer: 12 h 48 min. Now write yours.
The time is 4 h 58 min
